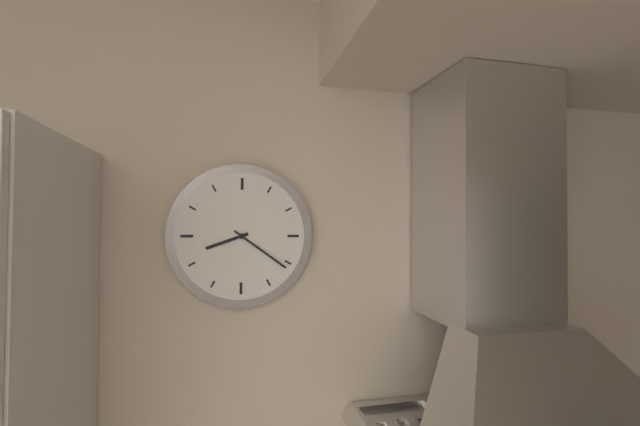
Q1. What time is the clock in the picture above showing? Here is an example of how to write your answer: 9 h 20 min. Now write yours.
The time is 8 h 21 min
